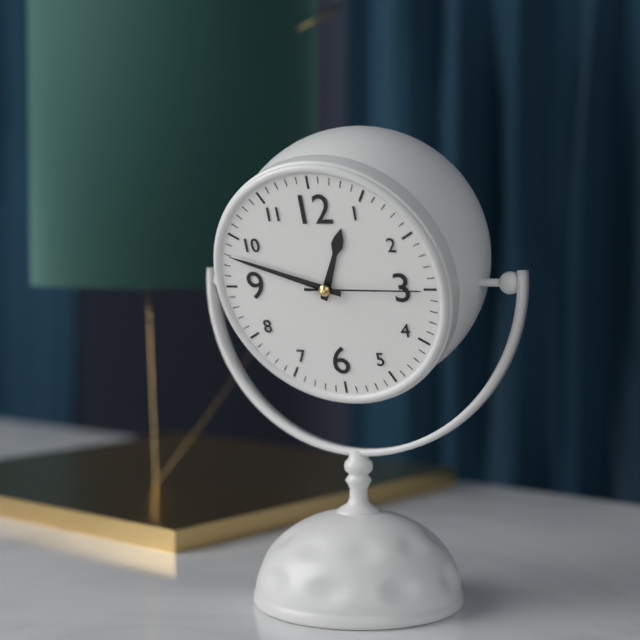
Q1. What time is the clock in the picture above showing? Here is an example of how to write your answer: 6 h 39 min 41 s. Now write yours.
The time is 12 h 48 min 15 s
